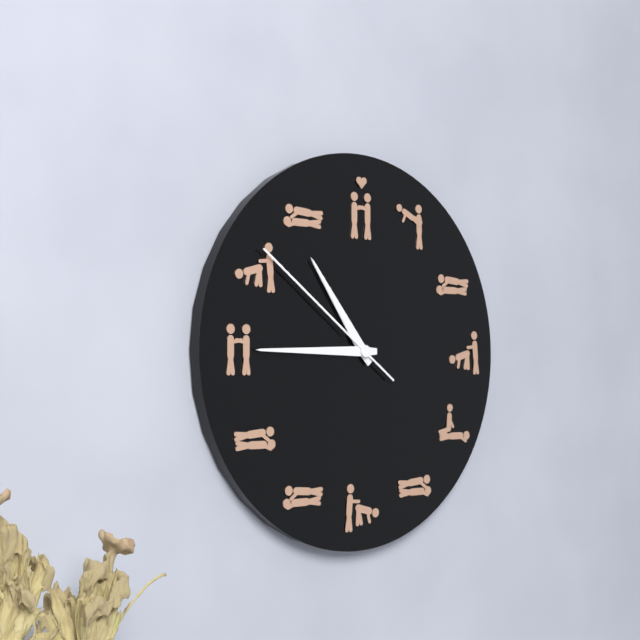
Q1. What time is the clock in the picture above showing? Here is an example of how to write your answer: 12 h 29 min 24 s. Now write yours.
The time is 10 h 45 min 51 s
